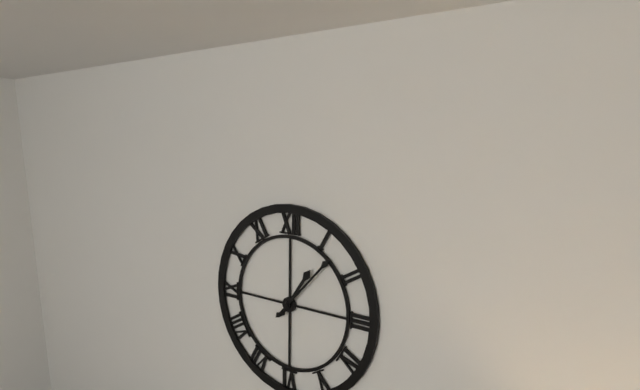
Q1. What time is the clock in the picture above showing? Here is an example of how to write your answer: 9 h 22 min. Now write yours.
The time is 1 h 07 min
